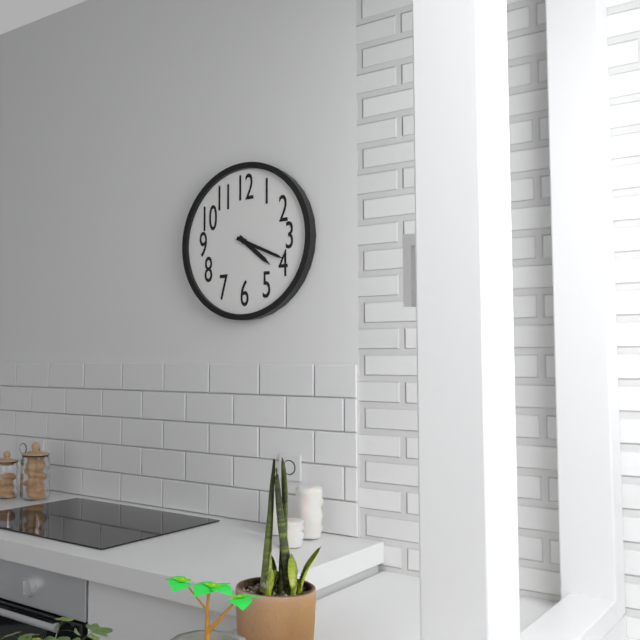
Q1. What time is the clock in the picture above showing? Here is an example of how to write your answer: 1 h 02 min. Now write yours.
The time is 4 h 19 min
